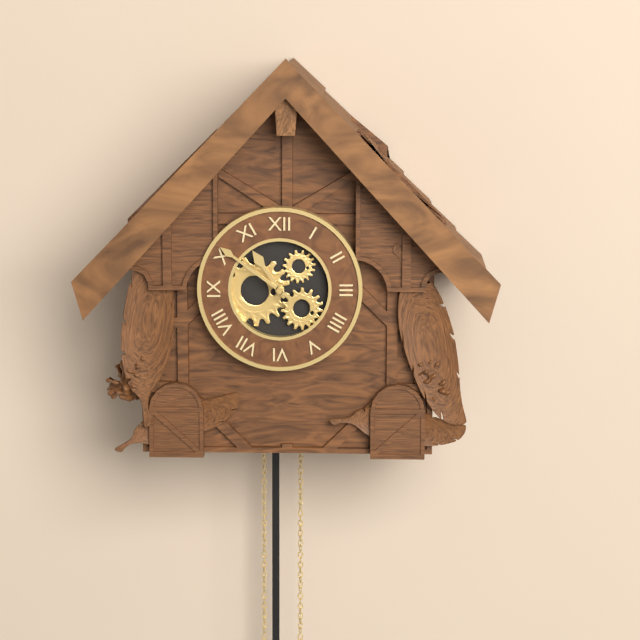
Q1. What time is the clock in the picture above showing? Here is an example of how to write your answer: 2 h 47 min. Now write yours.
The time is 10 h 51 min
